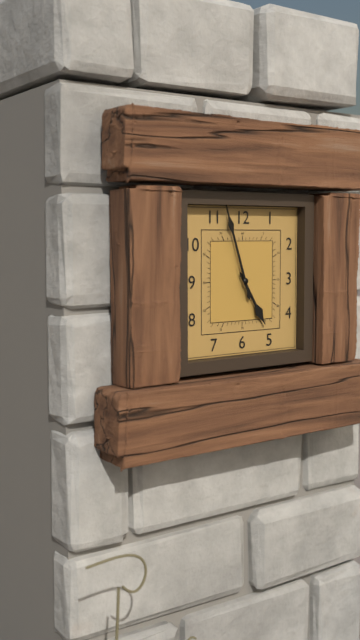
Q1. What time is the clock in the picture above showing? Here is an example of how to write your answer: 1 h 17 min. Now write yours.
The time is 4 h 57 min
